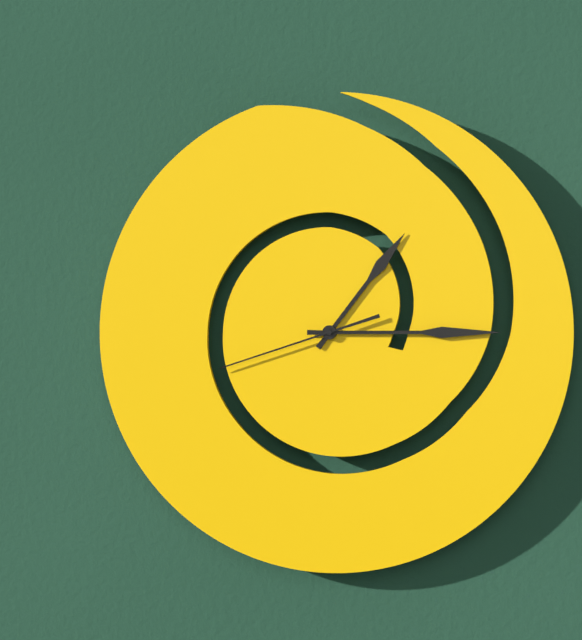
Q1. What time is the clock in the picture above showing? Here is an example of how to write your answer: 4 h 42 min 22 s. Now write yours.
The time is 1 h 15 min 42 s
